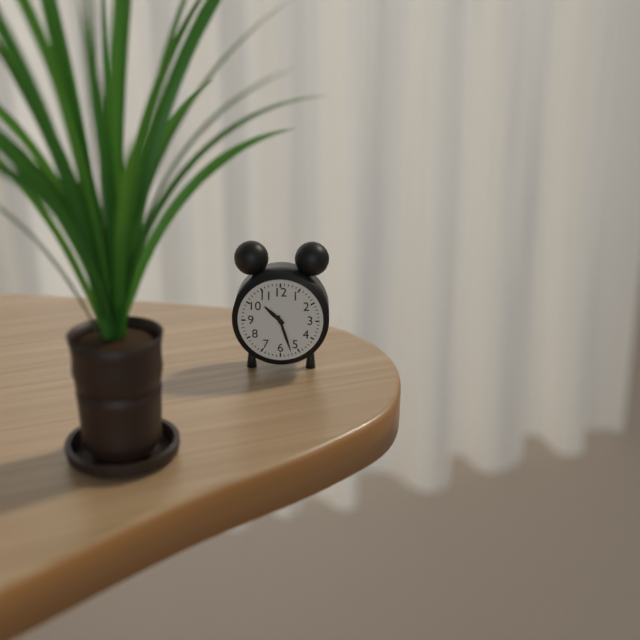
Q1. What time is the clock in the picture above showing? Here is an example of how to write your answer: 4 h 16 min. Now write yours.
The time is 10 h 27 min
